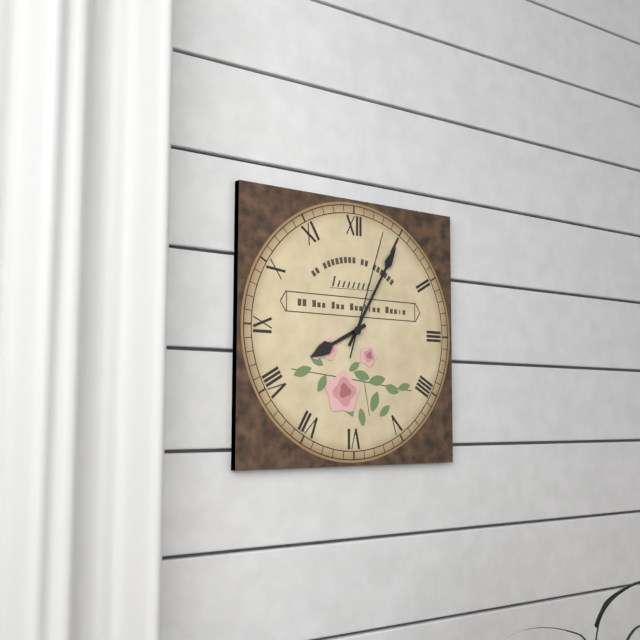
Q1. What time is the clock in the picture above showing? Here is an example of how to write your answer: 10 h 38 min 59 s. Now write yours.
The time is 8 h 05 min 03 s
